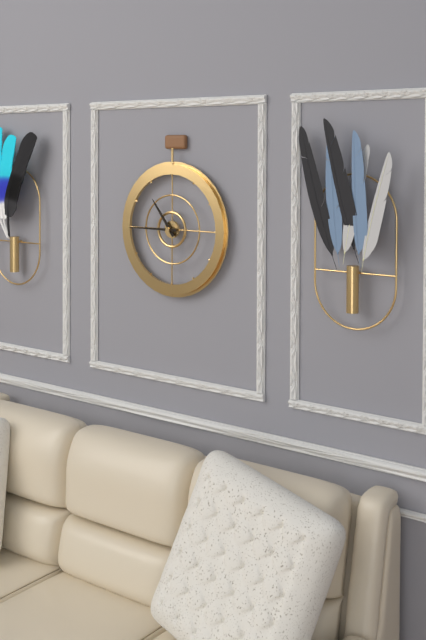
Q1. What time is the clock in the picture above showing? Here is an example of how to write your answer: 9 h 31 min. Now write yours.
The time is 10 h 45 min
